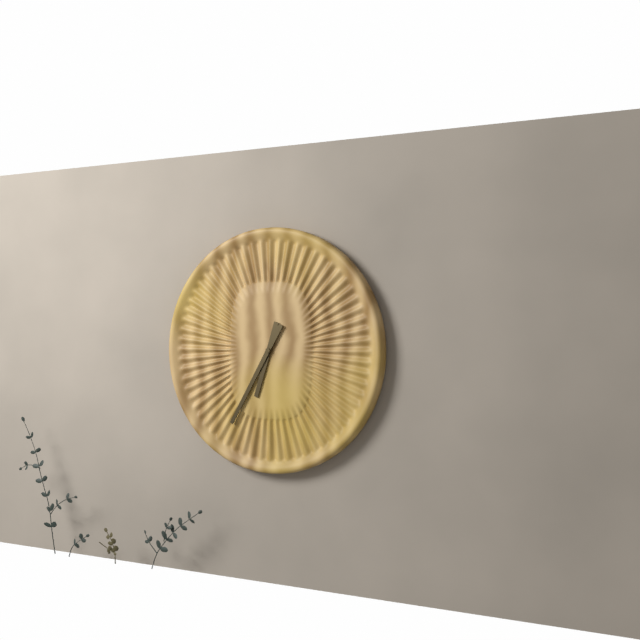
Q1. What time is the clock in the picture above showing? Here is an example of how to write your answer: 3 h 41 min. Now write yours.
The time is 6 h 35 min
